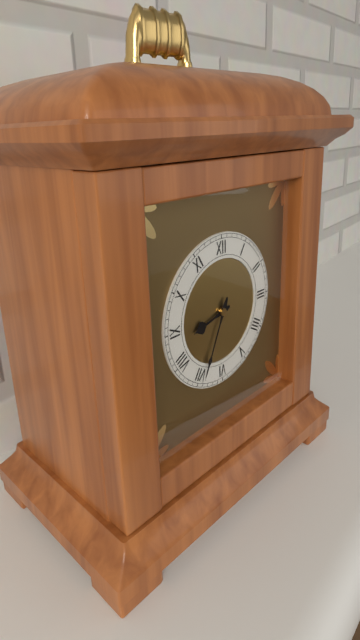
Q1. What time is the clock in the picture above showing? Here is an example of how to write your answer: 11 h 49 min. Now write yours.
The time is 8 h 34 min
